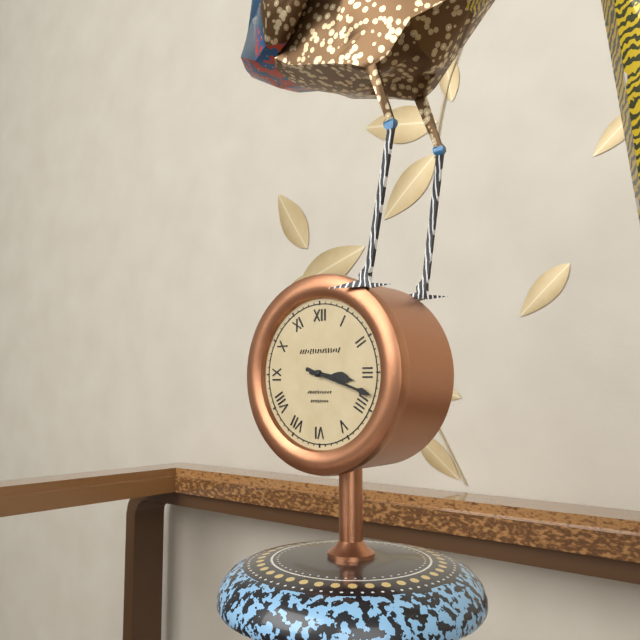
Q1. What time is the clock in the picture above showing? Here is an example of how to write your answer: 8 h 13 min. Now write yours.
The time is 3 h 18 min
